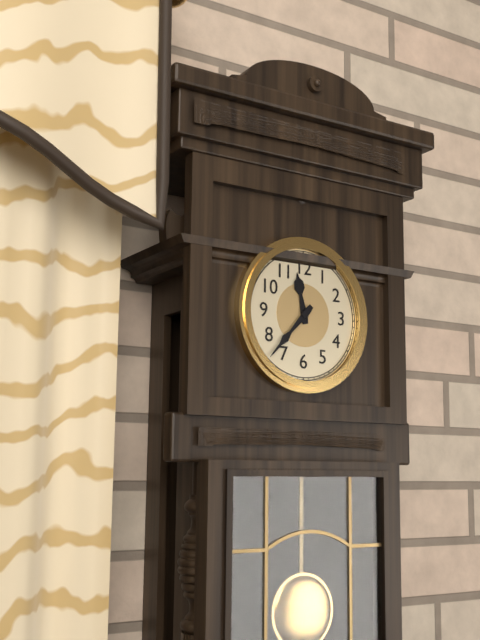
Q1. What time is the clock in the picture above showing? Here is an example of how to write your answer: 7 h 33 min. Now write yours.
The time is 11 h 37 min
